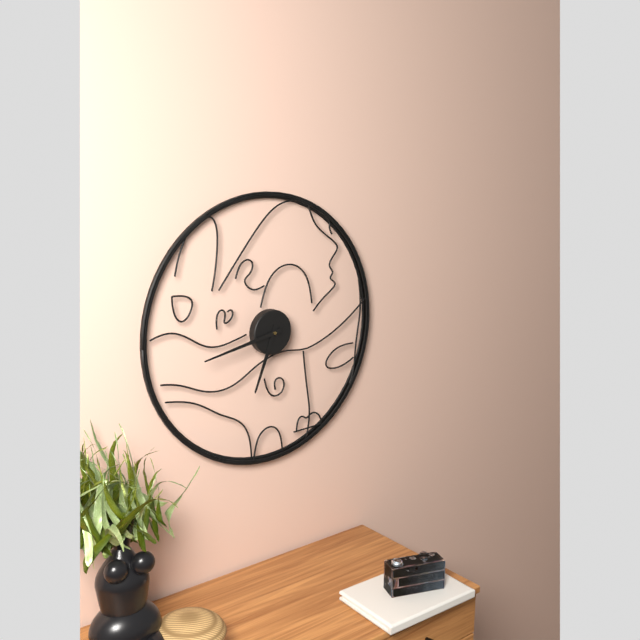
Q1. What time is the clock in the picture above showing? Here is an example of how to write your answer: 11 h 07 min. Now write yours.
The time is 6 h 43 min
